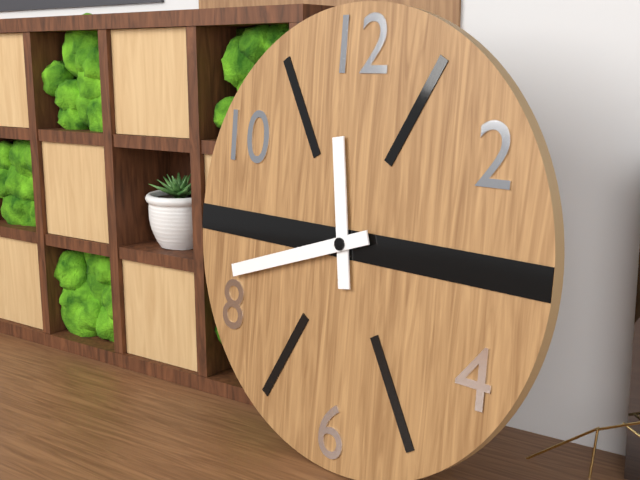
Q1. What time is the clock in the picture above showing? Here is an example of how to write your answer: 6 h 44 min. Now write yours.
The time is 11 h 42 min
